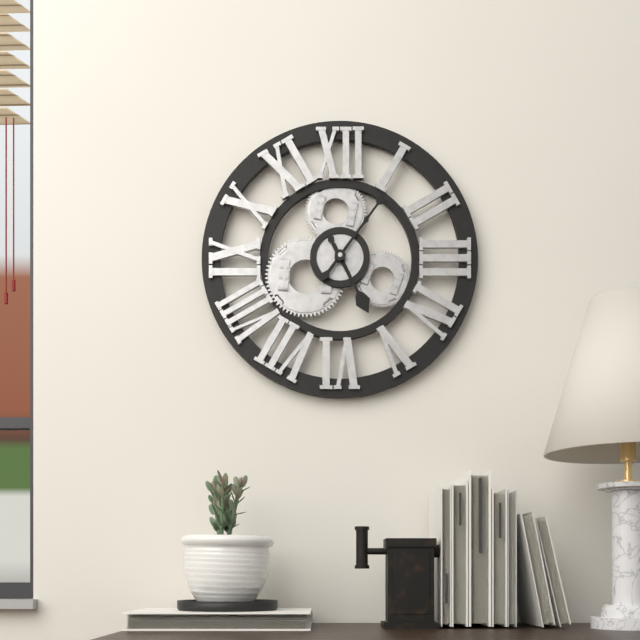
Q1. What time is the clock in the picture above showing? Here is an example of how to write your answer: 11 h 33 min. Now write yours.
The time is 5 h 06 min
